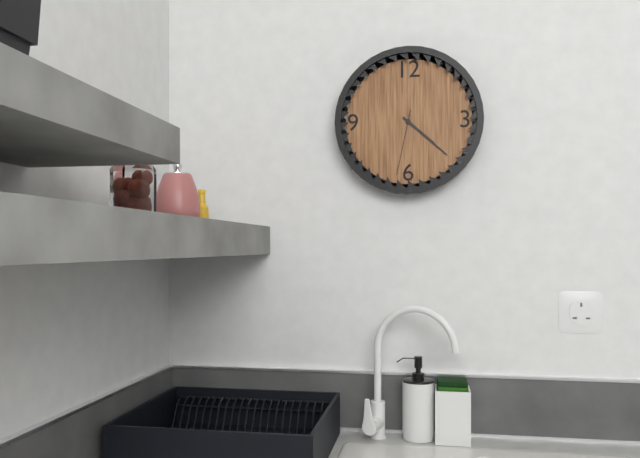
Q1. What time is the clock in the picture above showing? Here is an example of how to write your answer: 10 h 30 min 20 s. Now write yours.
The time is 4 h 22 min 32 s
